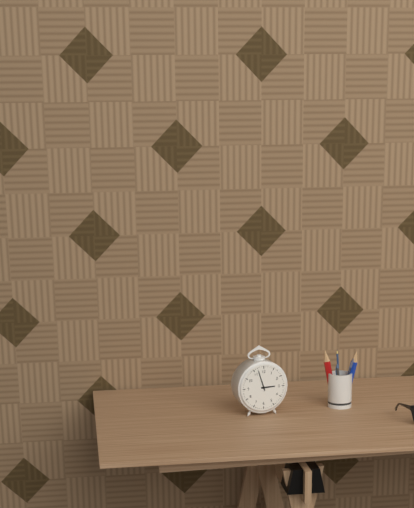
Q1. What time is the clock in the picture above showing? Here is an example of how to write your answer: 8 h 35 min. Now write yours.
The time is 2 h 57 min
